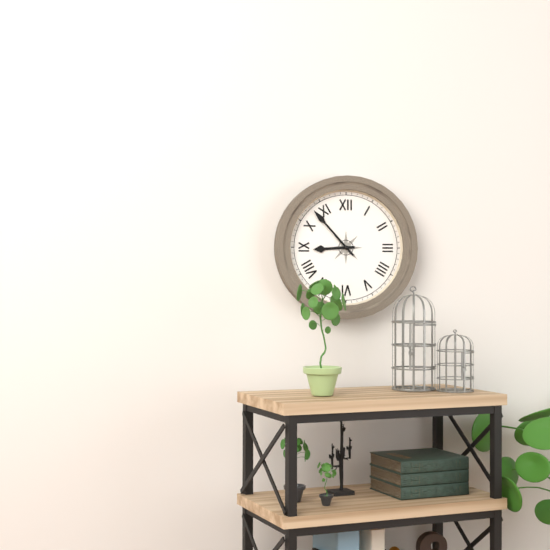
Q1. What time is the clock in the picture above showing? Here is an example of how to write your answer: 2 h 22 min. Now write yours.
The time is 8 h 53 min
